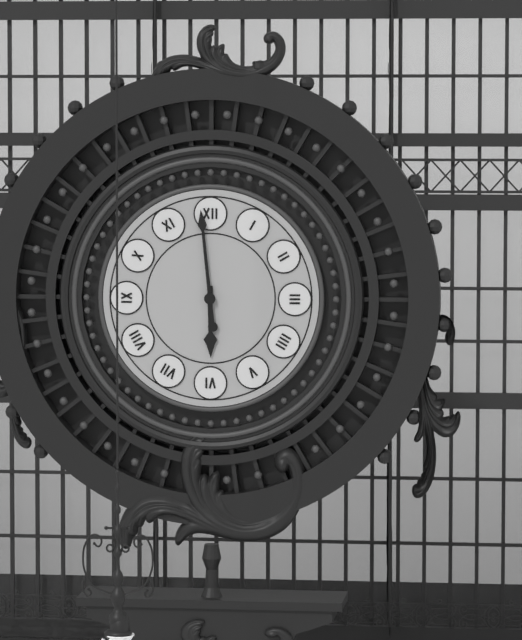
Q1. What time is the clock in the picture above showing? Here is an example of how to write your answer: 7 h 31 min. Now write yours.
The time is 5 h 59 min
